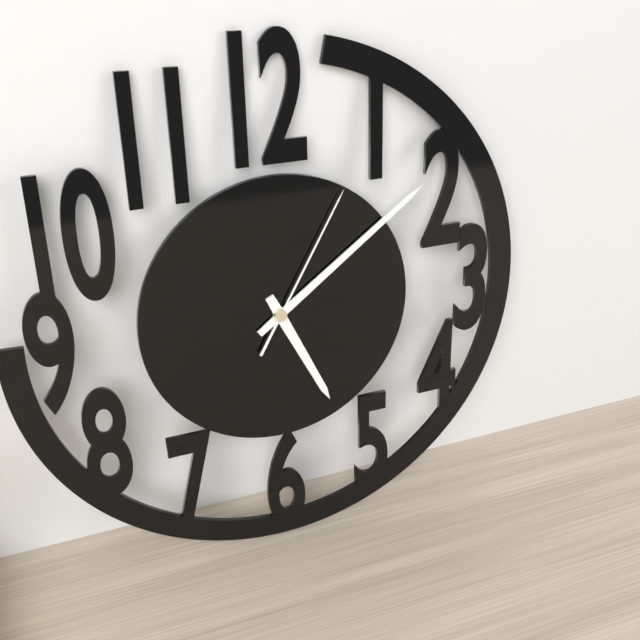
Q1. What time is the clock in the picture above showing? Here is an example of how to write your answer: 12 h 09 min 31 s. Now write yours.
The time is 5 h 09 min 05 s
